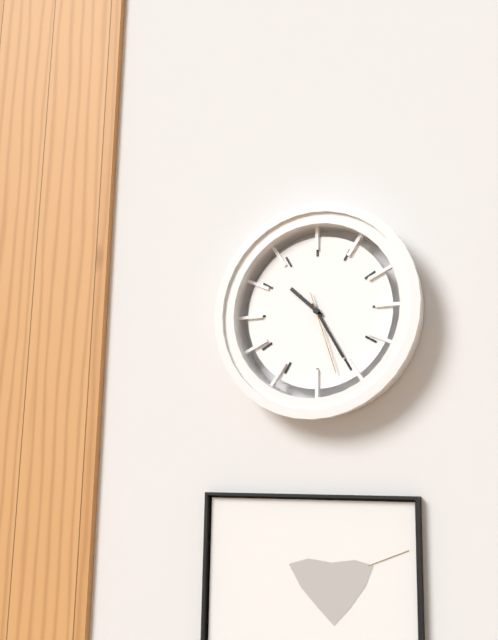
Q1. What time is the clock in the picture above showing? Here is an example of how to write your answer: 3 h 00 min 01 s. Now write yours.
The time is 10 h 25 min 27 s
